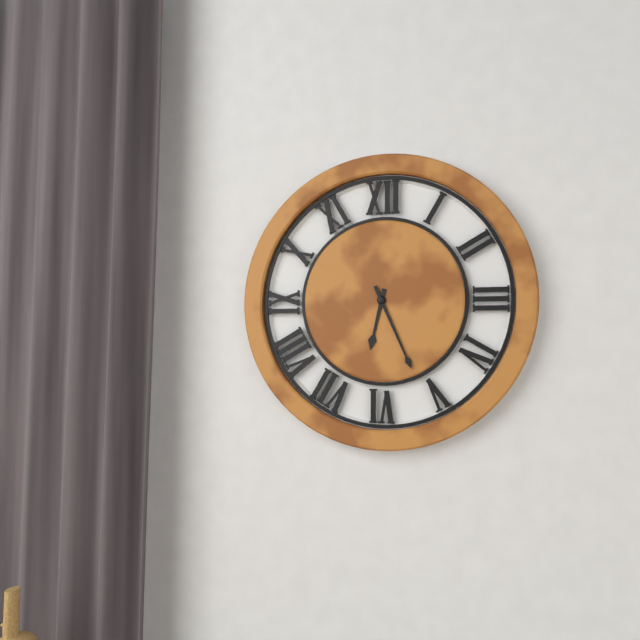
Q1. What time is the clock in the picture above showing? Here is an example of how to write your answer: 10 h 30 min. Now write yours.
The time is 6 h 26 min
